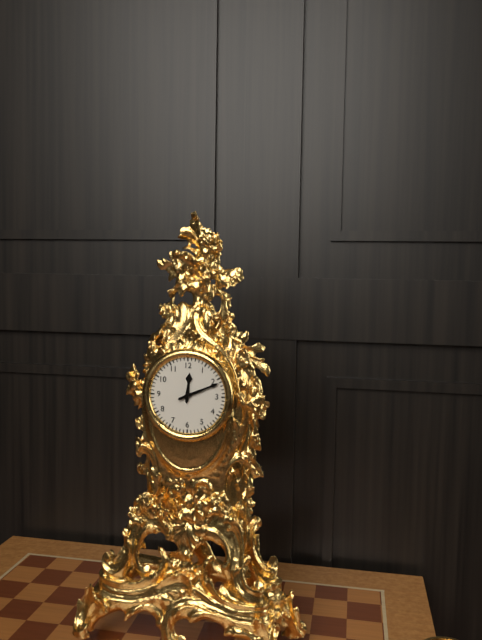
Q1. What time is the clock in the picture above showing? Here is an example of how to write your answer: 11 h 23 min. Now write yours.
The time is 12 h 11 min
